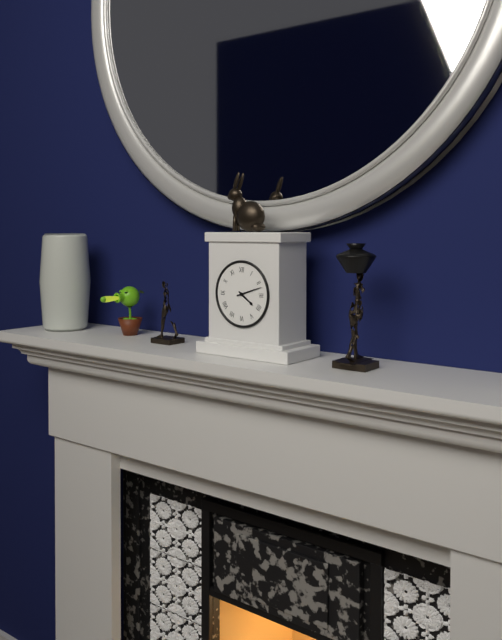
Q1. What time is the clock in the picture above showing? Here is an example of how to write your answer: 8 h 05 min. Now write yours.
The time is 4 h 12 min
